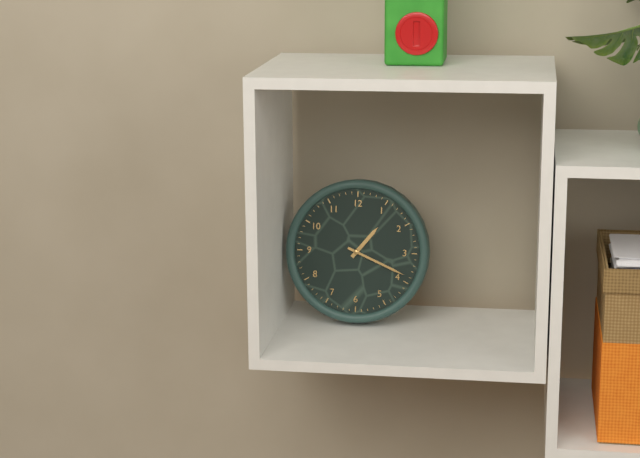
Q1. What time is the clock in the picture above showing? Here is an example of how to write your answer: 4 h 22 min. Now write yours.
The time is 1 h 19 min
